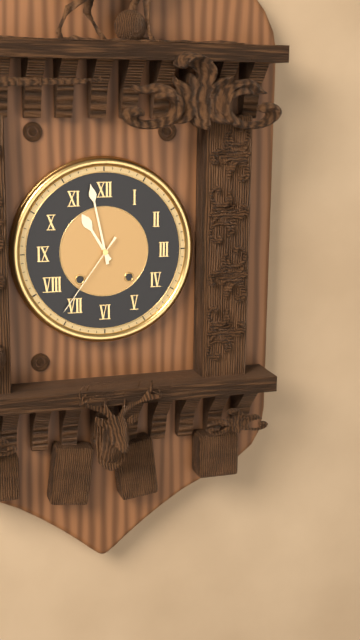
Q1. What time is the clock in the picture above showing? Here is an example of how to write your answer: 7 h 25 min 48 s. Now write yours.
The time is 10 h 58 min 36 s
